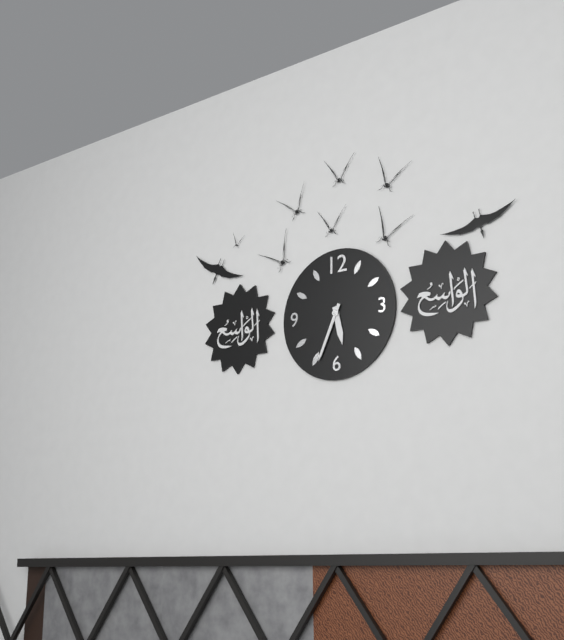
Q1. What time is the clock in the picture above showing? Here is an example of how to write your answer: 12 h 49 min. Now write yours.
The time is 5 h 34 min
